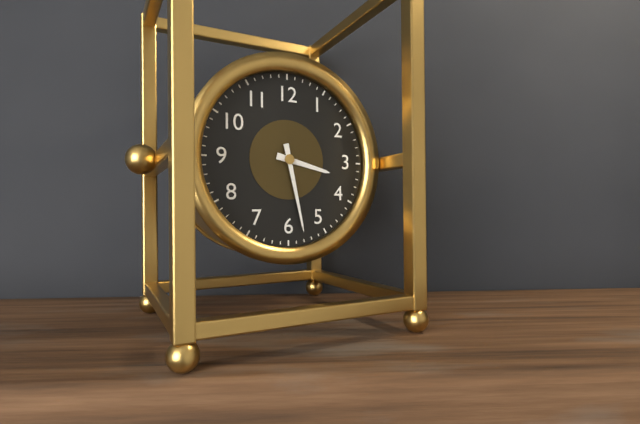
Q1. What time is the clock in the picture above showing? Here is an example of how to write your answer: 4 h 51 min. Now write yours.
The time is 3 h 28 min
